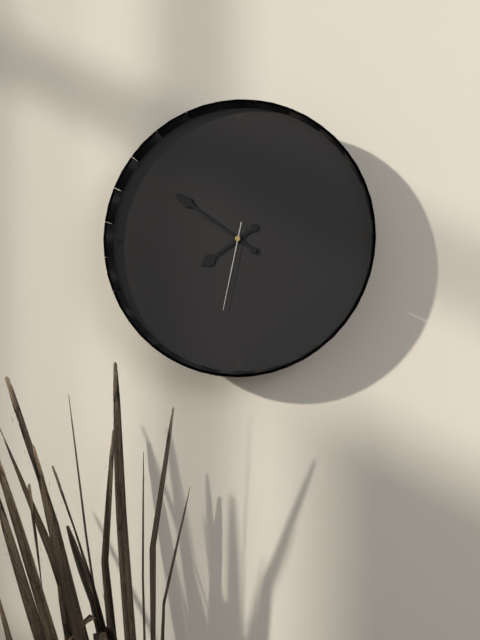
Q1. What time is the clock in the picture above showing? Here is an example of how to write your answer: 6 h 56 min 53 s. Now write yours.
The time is 7 h 51 min 32 s
